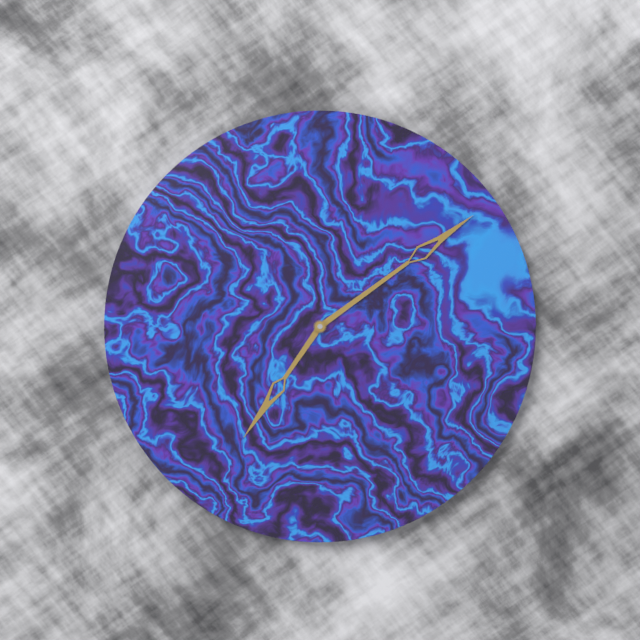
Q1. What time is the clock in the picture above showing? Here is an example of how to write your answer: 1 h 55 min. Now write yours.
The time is 7 h 09 min
